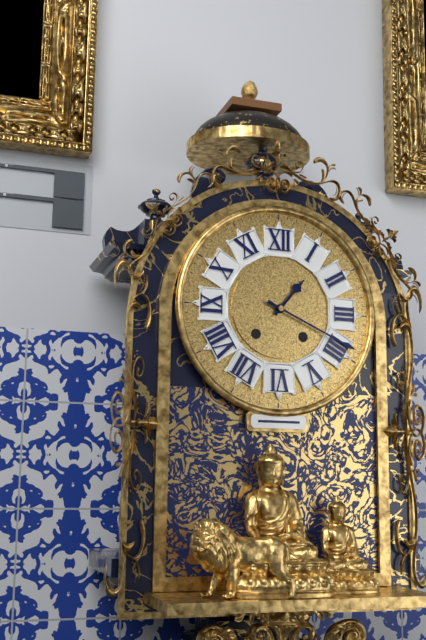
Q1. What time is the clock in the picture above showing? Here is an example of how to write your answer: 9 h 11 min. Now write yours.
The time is 1 h 19 min
